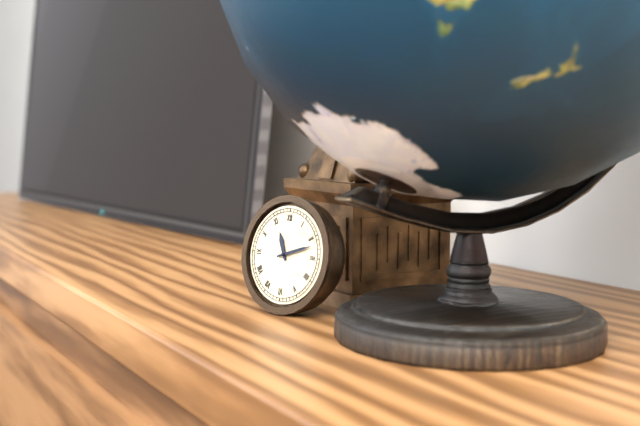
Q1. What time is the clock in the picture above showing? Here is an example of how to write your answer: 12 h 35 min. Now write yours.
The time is 11 h 12 min
